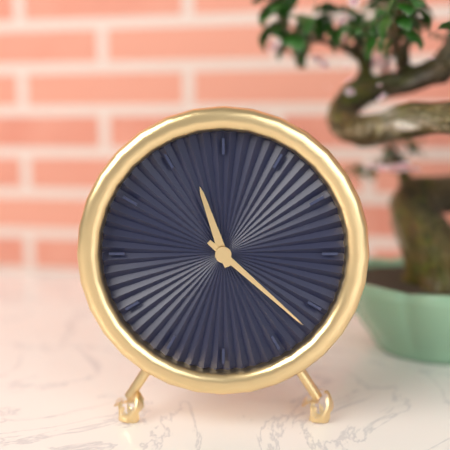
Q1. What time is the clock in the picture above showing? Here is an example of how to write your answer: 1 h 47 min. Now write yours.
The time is 11 h 22 min
